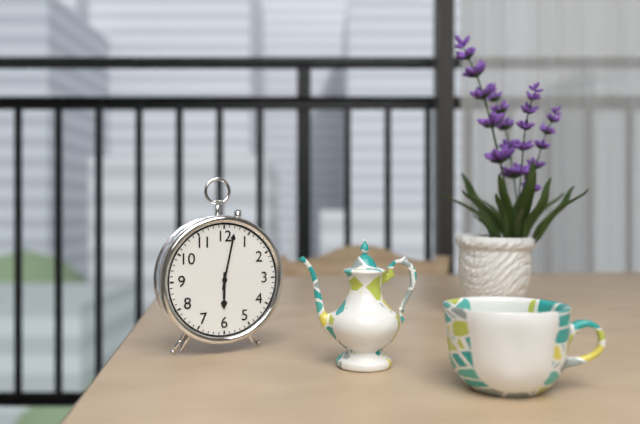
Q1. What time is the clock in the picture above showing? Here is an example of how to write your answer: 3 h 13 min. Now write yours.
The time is 6 h 02 min
